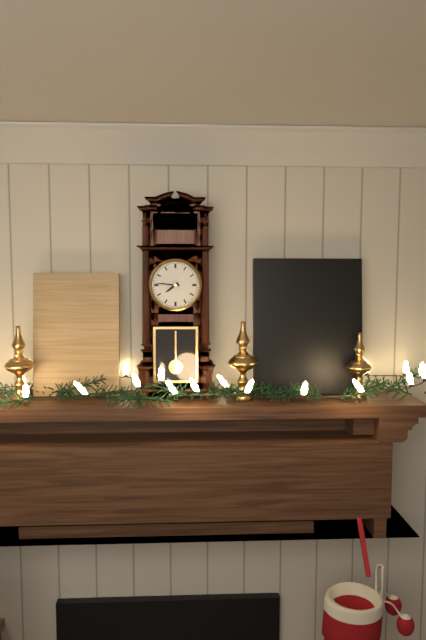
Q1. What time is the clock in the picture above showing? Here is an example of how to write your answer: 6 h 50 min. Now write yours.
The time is 7 h 46 min
